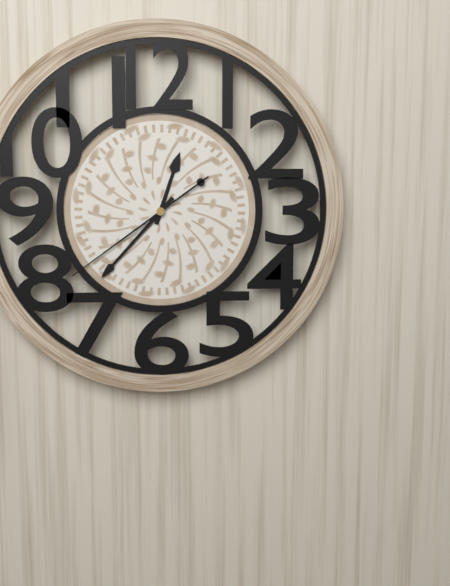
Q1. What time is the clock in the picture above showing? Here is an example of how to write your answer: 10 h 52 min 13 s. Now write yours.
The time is 12 h 37 min 39 s
